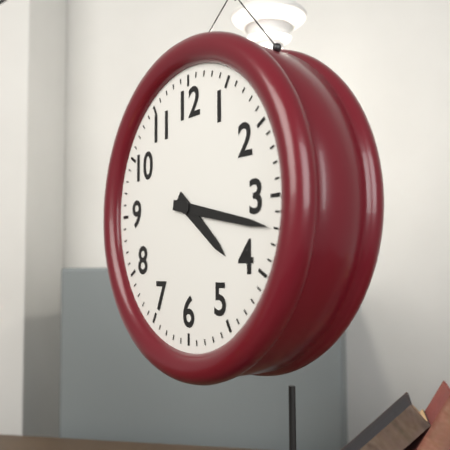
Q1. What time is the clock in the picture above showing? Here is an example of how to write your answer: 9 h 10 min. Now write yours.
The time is 4 h 17 min
